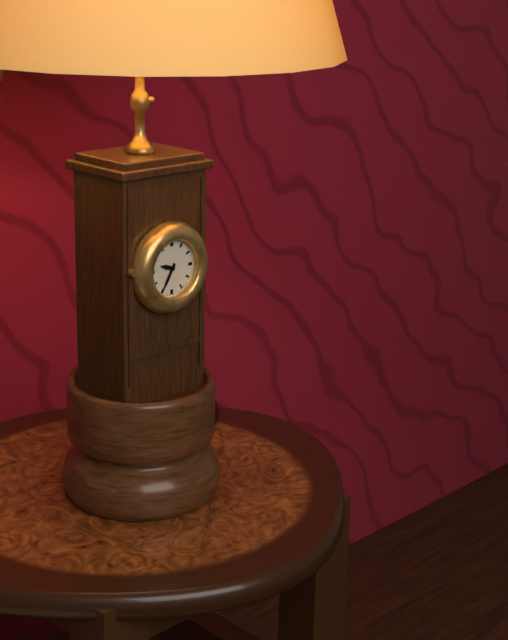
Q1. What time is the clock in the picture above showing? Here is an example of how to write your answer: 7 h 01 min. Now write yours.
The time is 9 h 35 min
